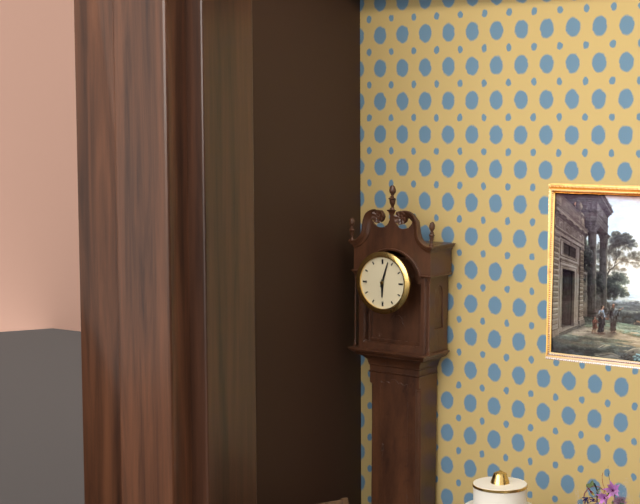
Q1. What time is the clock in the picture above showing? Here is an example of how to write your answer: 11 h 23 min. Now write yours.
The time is 6 h 03 min
